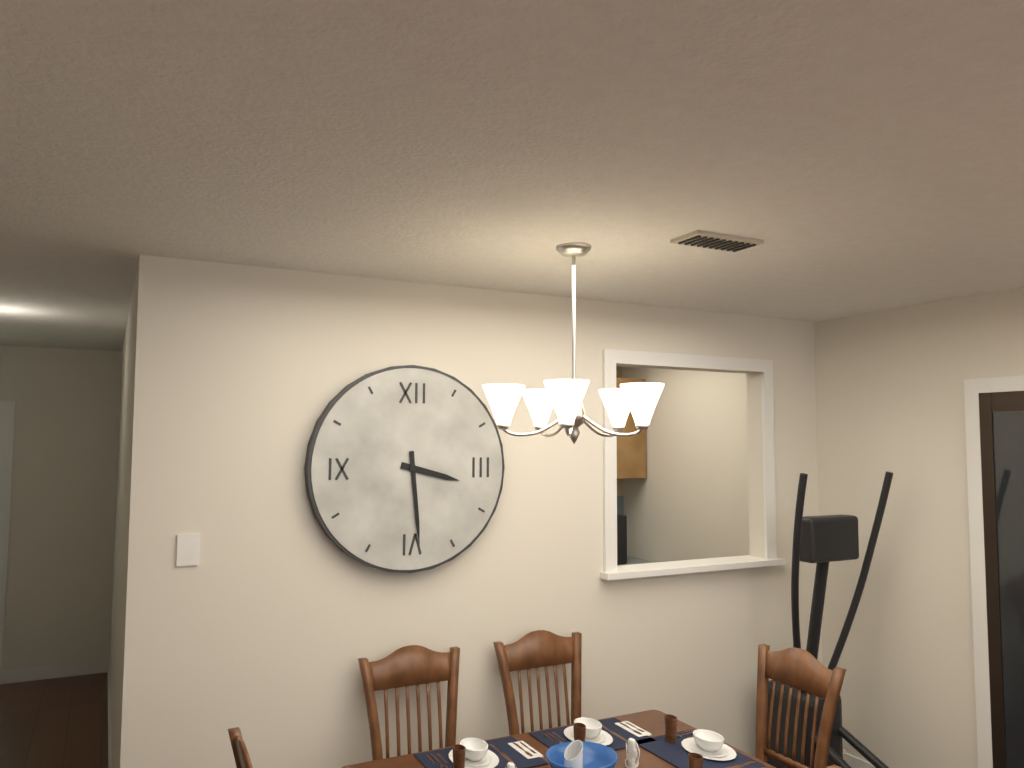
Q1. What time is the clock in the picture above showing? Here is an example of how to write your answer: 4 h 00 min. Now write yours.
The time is 3 h 29 min
